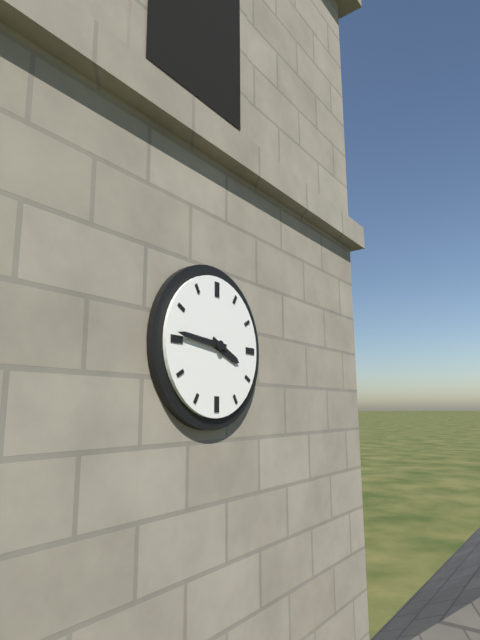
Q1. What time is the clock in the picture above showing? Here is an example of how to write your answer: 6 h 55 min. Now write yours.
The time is 3 h 46 min
